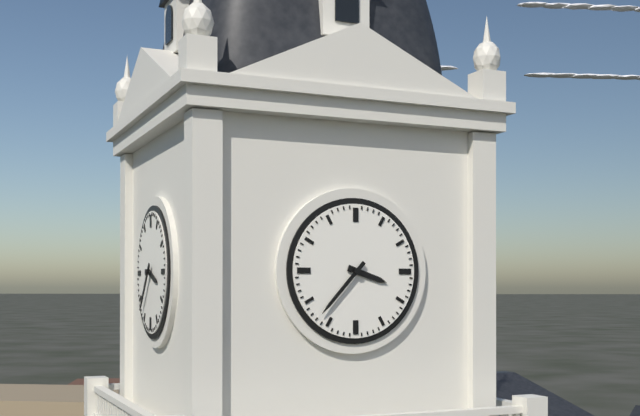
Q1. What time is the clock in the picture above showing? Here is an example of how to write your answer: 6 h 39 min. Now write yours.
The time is 3 h 37 min
